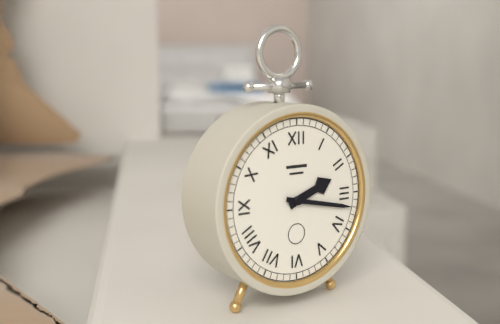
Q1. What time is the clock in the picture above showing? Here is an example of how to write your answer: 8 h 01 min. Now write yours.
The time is 2 h 17 min
